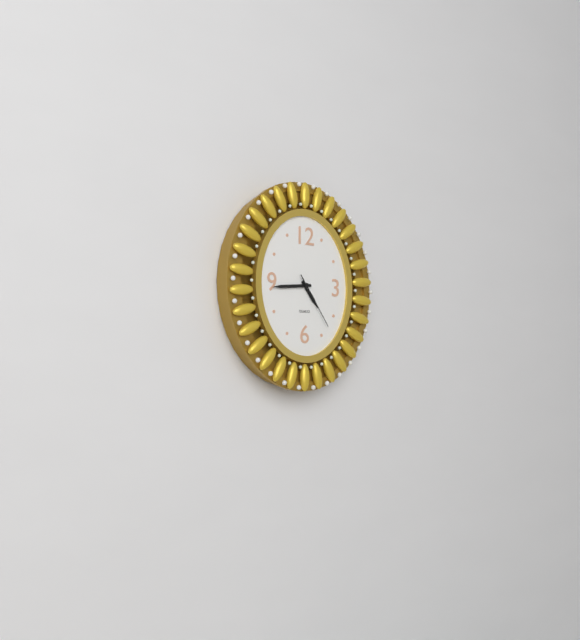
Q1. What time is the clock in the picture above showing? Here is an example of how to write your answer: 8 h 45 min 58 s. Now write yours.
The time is 4 h 44 min 24 s
